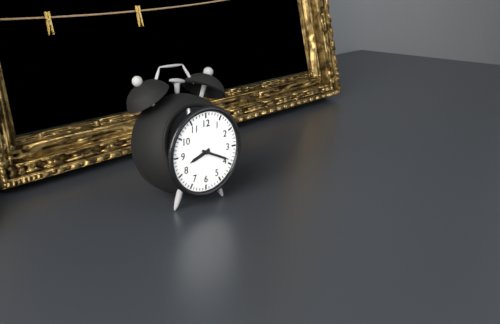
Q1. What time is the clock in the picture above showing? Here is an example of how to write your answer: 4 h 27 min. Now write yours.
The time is 8 h 19 min
